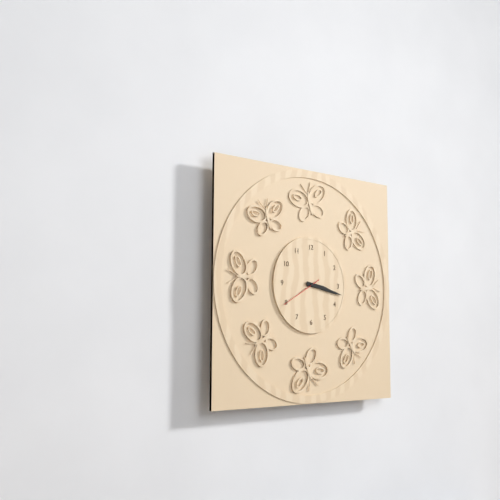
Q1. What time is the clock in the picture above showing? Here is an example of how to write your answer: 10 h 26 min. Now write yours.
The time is 3 h 17 min
